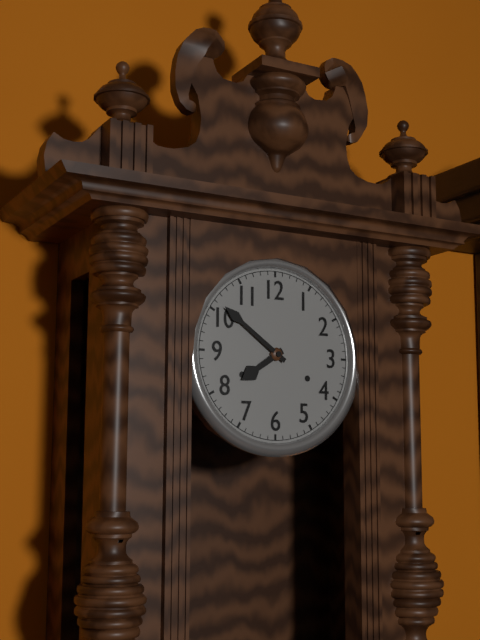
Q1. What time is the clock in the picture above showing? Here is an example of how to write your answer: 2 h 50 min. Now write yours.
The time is 7 h 51 min
